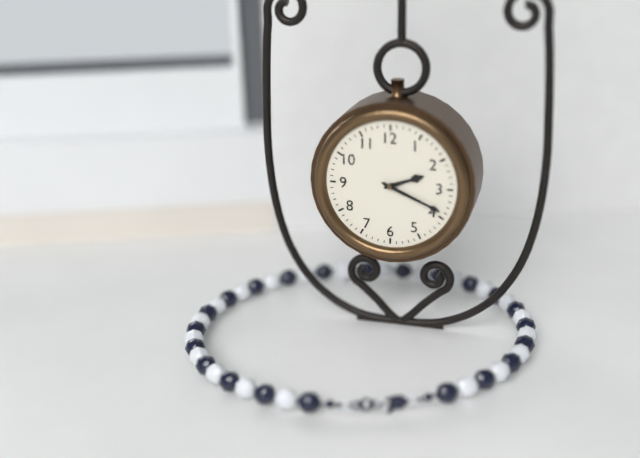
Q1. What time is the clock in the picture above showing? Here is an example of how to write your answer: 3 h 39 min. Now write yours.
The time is 2 h 19 min
